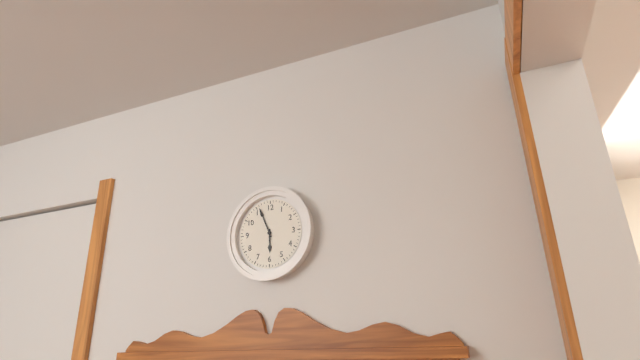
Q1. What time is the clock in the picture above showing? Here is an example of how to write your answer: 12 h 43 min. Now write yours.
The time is 5 h 56 min
